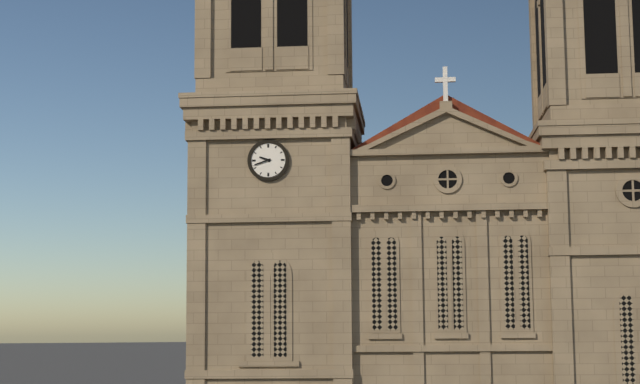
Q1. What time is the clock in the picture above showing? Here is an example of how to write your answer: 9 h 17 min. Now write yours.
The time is 9 h 42 min
